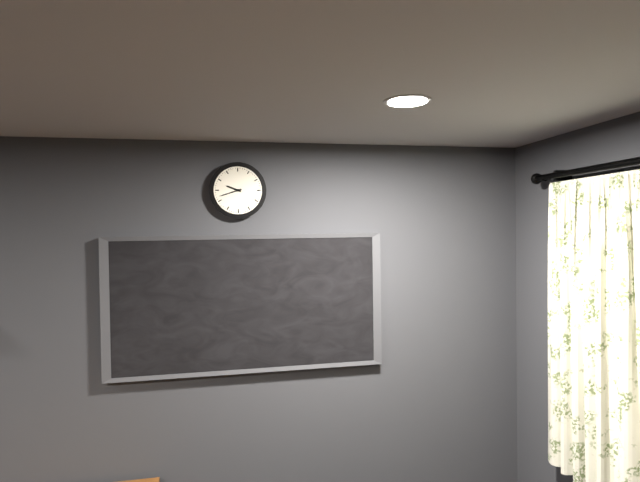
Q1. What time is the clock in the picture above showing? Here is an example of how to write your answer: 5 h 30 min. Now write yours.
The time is 9 h 42 min
